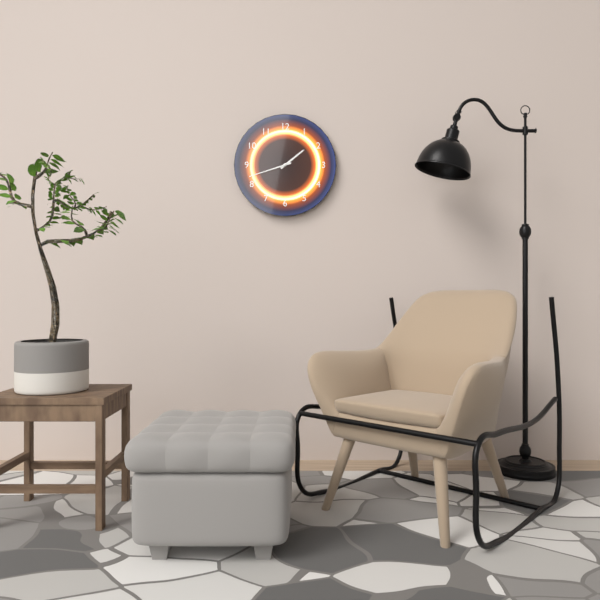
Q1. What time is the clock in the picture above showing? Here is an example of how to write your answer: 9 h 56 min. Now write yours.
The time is 1 h 42 min
